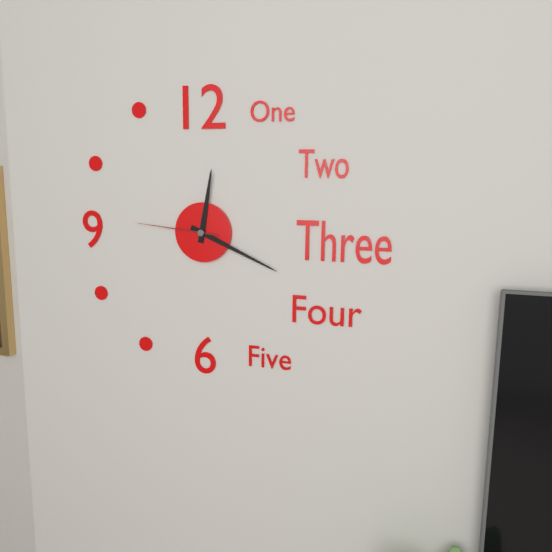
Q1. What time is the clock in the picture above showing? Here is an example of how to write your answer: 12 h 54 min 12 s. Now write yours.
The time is 12 h 19 min 46 s
